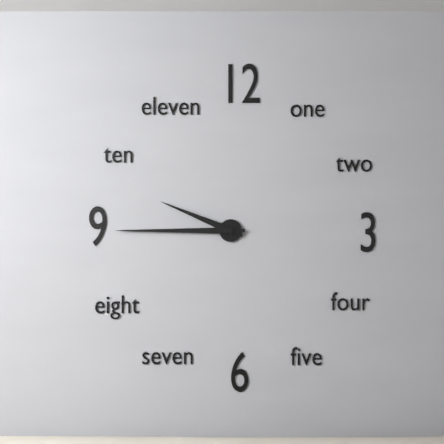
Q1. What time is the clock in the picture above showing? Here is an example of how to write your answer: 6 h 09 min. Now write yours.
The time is 9 h 45 min
